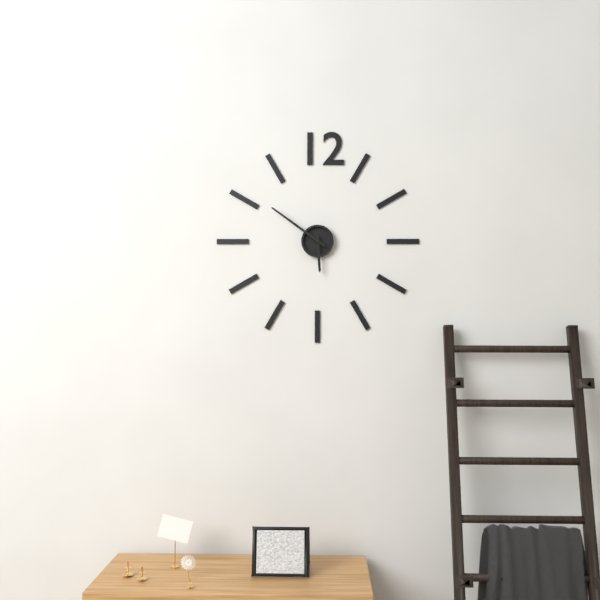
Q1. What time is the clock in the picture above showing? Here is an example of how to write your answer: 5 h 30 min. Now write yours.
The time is 5 h 51 min
